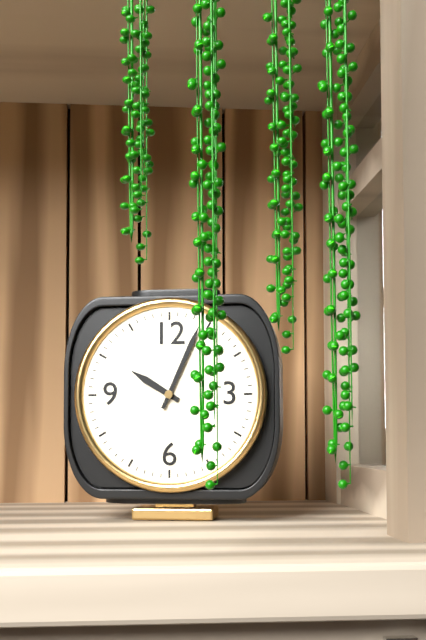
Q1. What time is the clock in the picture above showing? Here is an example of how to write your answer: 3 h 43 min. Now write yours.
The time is 10 h 04 min
